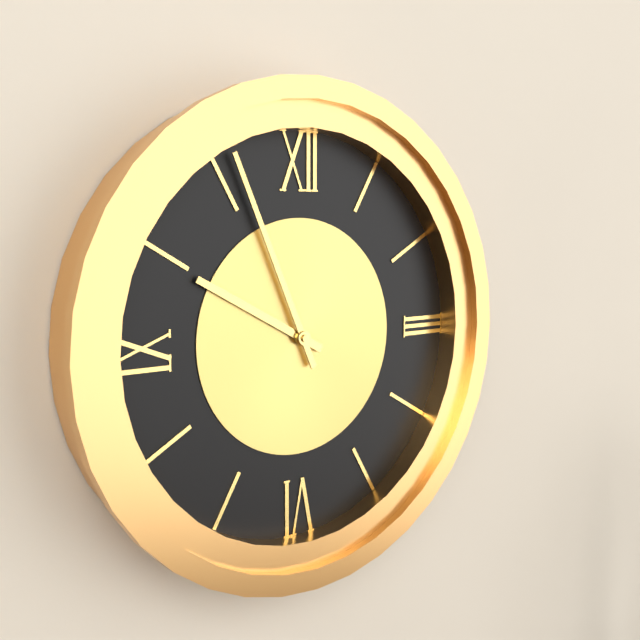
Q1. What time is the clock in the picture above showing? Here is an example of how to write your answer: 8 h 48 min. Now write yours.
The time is 9 h 56 min
